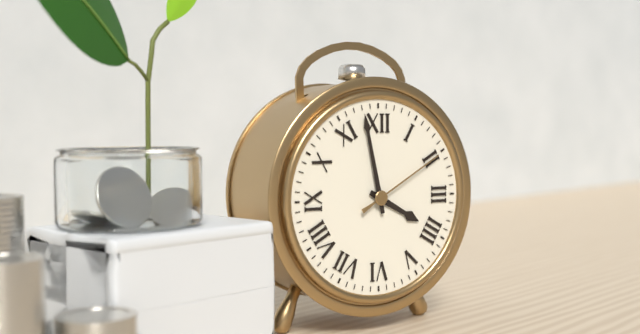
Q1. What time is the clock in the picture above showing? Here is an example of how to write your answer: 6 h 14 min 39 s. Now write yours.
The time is 3 h 58 min 10 s
